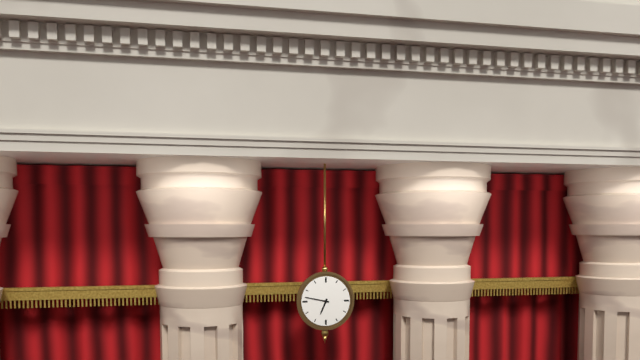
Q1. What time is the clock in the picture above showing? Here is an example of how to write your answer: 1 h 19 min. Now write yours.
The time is 6 h 47 min
